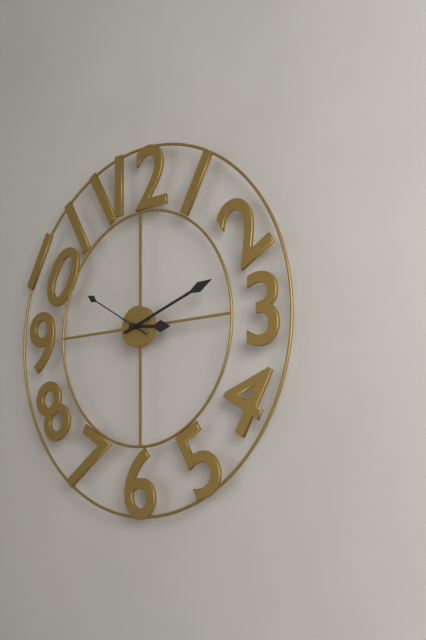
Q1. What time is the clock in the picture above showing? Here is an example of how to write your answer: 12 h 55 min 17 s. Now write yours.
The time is 3 h 12 min 50 s
